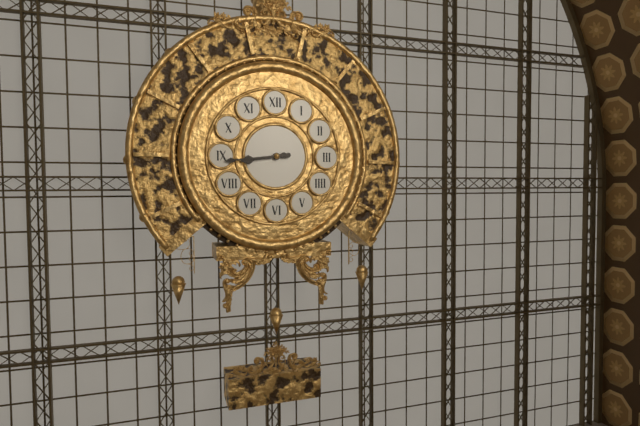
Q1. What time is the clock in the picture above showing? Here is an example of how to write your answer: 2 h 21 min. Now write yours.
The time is 8 h 44 min
